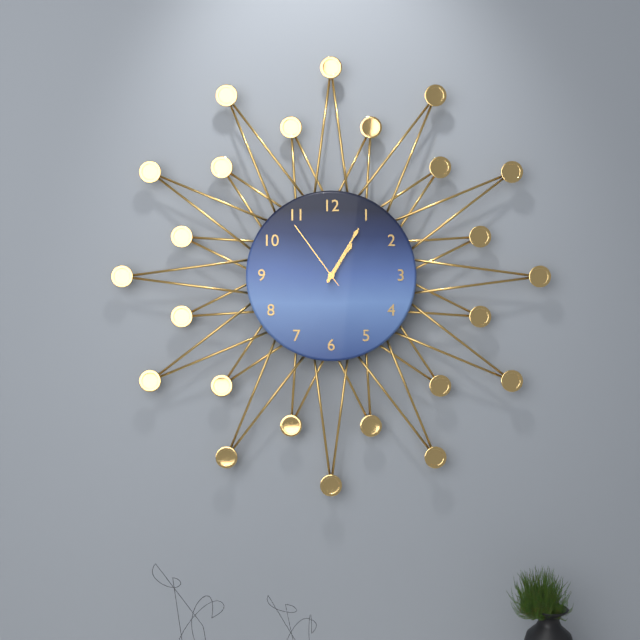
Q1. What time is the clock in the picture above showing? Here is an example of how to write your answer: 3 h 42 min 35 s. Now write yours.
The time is 1 h 05 min 54 s
